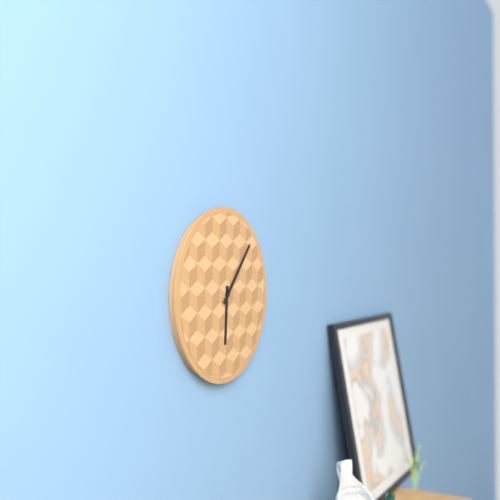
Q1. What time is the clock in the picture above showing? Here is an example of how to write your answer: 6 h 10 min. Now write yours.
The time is 6 h 07 min
